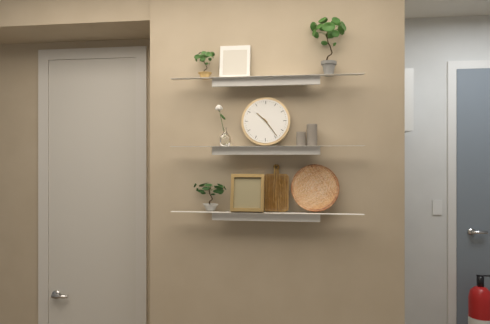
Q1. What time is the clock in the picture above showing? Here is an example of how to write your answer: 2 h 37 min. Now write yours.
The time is 10 h 24 min
